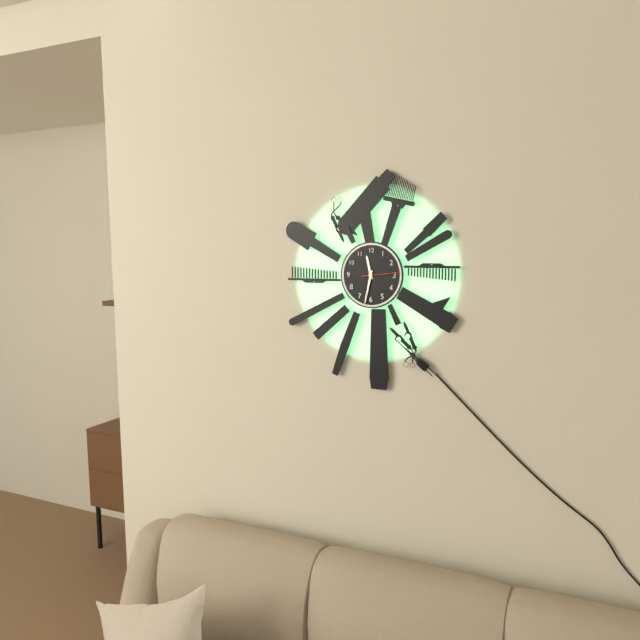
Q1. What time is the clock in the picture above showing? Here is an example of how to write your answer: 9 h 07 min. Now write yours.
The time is 11 h 32 min
